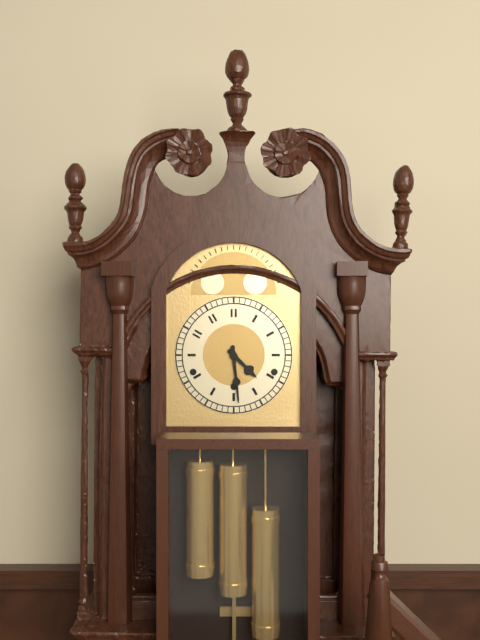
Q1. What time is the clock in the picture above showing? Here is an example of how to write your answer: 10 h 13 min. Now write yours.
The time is 4 h 29 min
